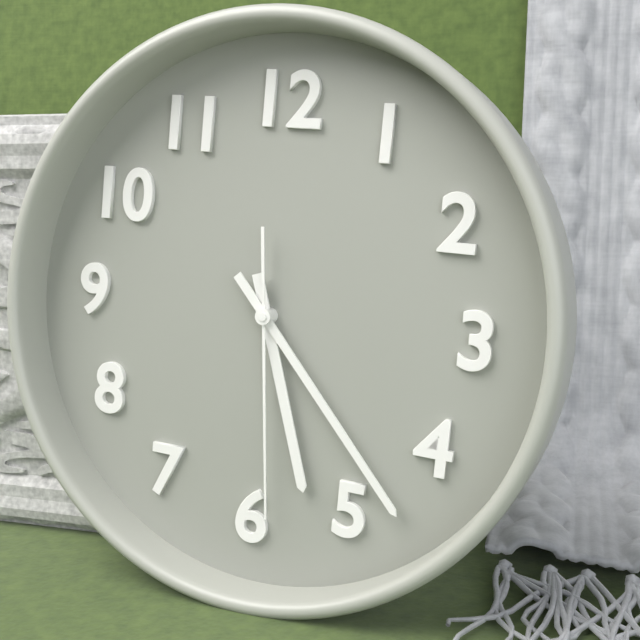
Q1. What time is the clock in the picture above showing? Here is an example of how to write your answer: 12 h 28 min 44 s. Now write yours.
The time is 5 h 23 min 29 s
